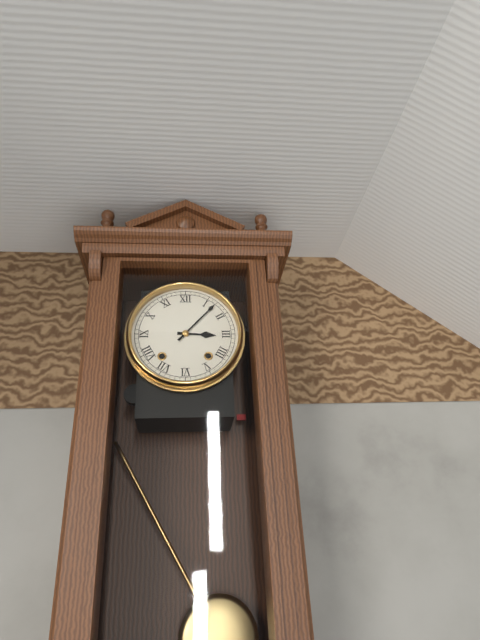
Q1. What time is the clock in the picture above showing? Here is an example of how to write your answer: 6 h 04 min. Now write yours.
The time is 3 h 07 min
